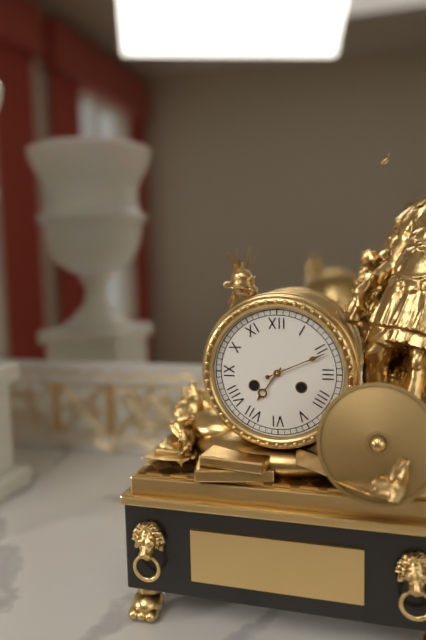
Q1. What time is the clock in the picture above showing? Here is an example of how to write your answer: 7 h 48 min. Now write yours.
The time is 7 h 11 min
